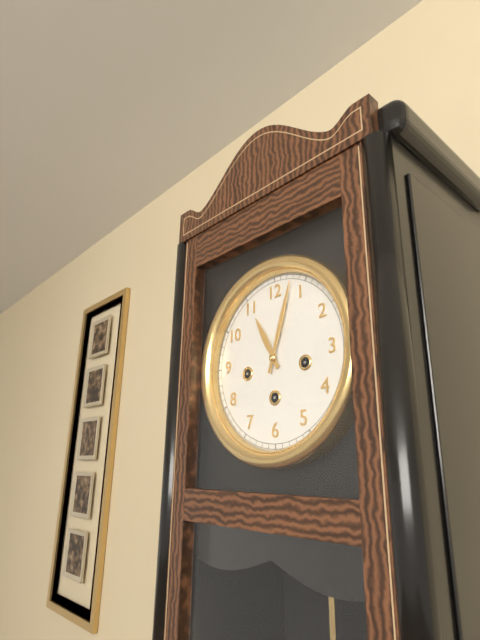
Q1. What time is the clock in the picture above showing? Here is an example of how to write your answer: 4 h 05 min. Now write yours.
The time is 11 h 03 min
